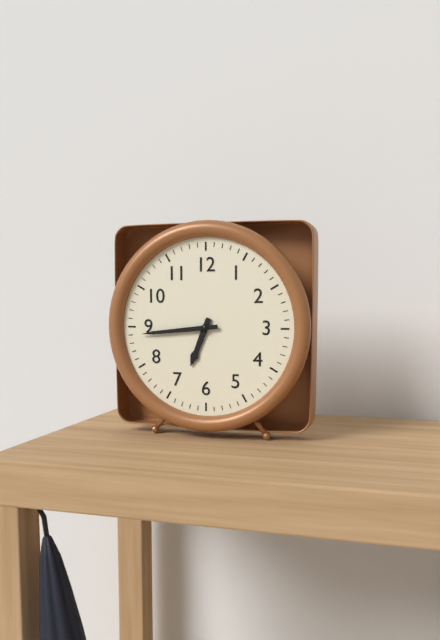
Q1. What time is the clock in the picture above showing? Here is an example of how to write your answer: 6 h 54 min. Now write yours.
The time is 6 h 44 min
